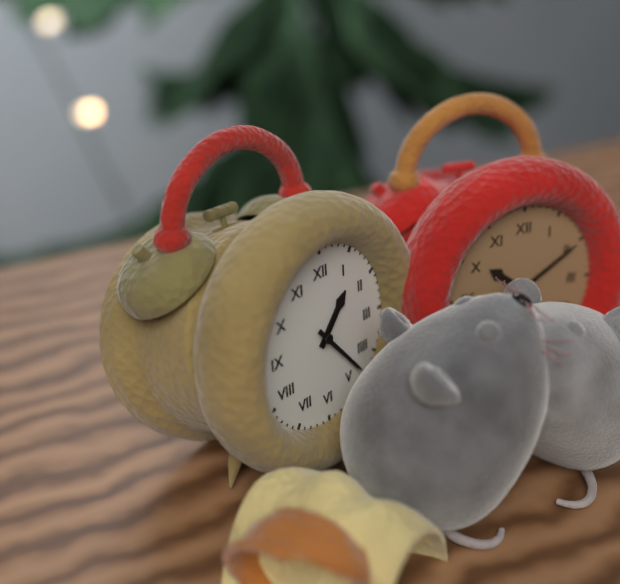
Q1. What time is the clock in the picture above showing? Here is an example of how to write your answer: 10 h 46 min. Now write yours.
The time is 1 h 23 min
